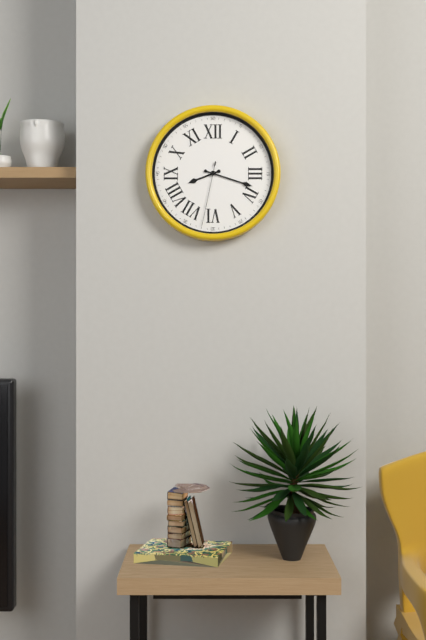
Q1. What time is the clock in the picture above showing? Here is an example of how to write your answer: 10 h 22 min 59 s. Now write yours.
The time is 8 h 18 min 32 s
